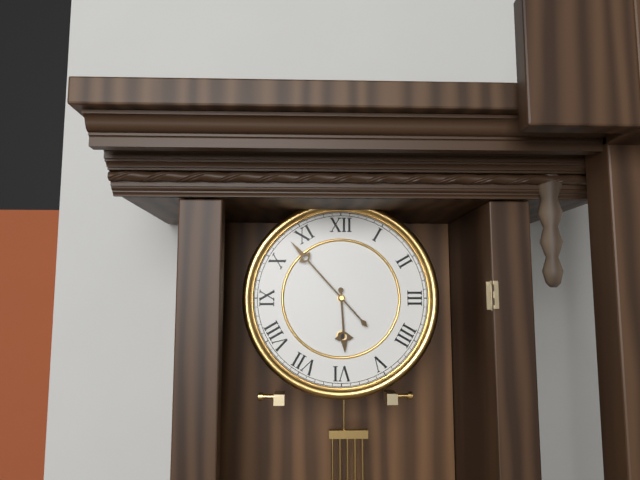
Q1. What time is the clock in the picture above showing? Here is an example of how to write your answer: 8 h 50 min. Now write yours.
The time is 5 h 53 min
